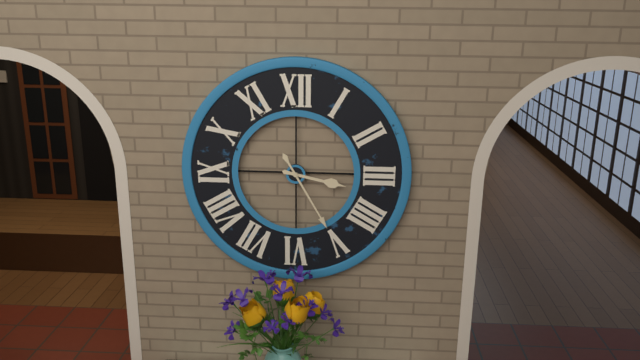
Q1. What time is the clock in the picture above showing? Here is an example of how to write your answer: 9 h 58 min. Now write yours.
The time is 3 h 25 min
